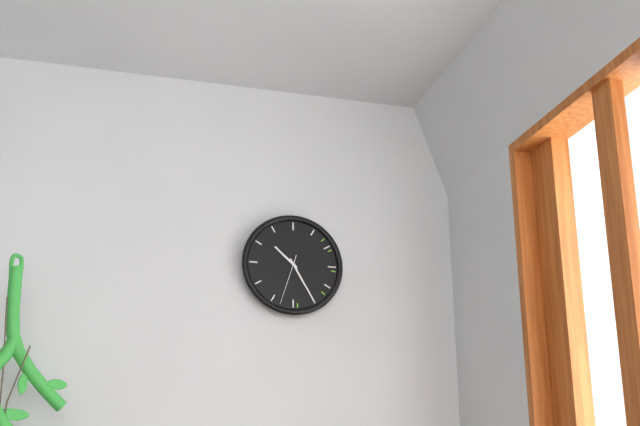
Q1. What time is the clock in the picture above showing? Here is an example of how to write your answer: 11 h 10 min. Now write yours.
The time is 10 h 25 min
